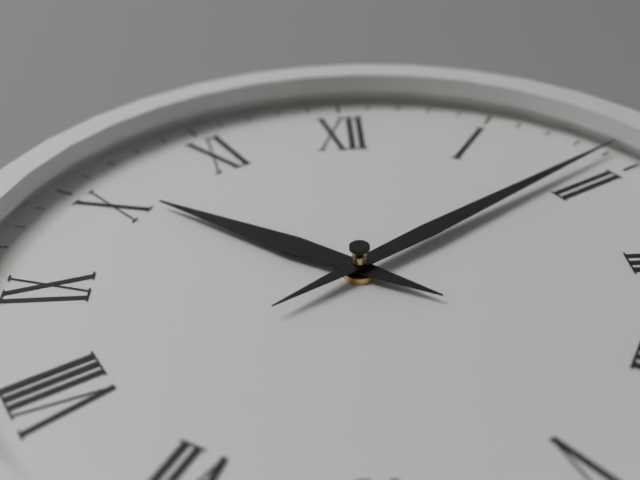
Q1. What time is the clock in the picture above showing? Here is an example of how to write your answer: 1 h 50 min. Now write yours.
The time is 10 h 09 min
